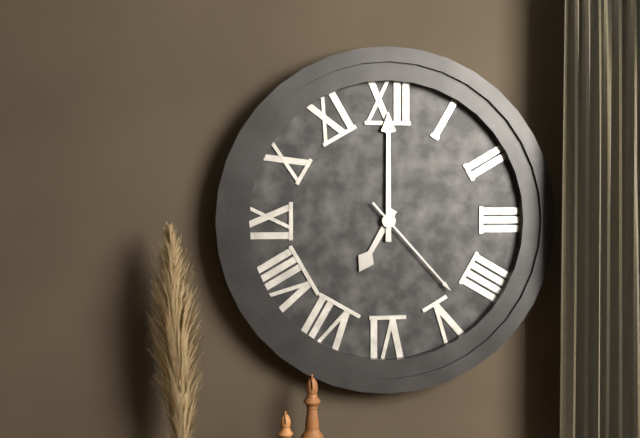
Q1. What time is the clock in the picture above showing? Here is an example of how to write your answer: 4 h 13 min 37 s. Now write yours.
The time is 7 h 00 min 23 s
